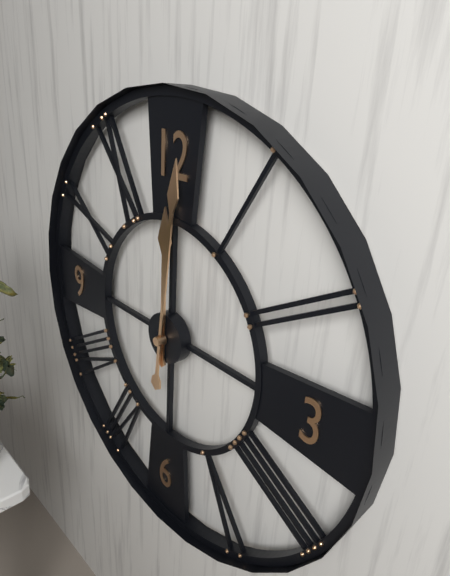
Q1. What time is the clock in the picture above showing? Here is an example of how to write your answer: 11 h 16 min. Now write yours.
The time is 12 h 01 min
